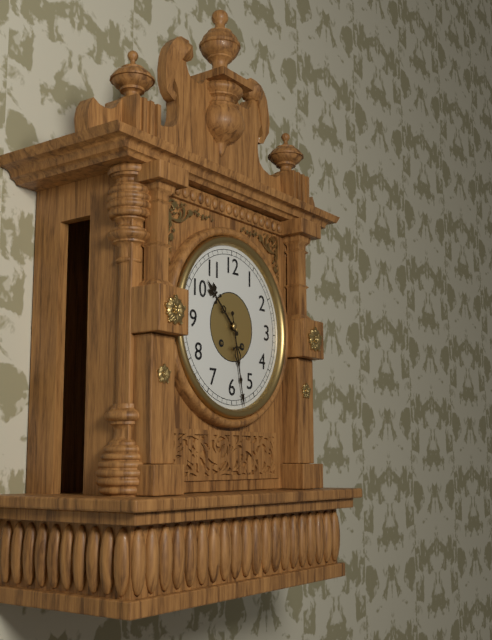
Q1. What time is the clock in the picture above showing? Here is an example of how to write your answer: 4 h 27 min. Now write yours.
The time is 10 h 28 min
